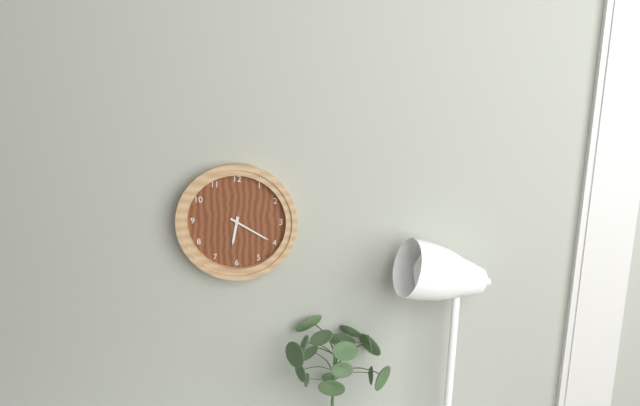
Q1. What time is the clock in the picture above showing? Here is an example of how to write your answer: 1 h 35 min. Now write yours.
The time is 6 h 20 min
